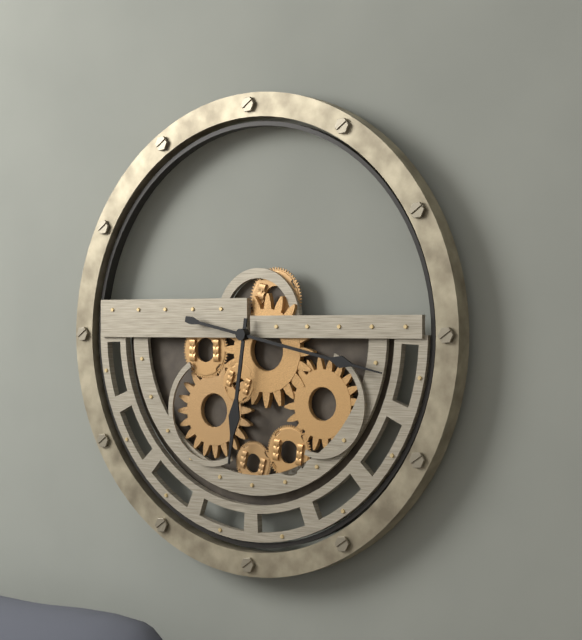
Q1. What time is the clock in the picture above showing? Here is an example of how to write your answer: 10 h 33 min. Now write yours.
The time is 6 h 17 min
